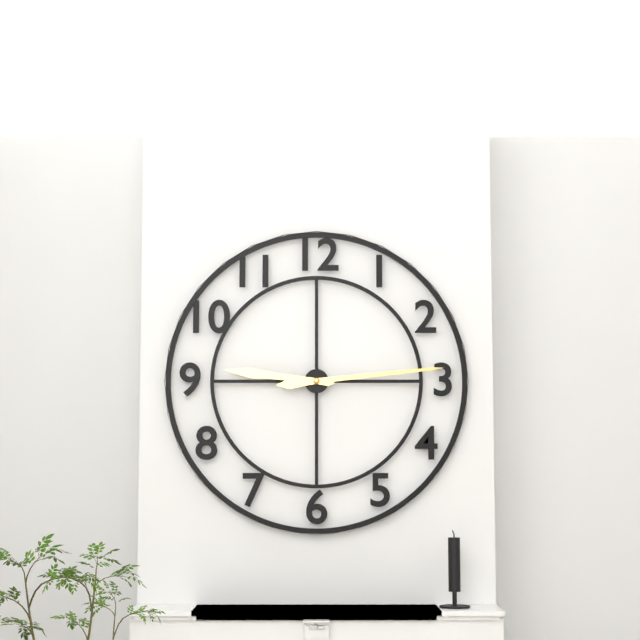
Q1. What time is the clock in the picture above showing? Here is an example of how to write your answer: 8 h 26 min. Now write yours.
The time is 9 h 14 min
